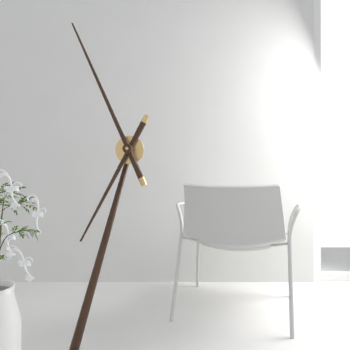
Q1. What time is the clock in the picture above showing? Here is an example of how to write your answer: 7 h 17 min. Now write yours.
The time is 6 h 56 min
